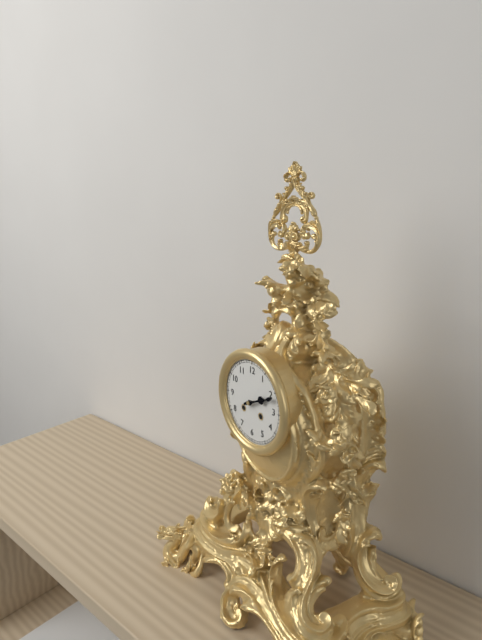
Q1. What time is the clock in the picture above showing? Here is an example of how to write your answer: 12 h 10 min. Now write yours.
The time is 2 h 11 min
